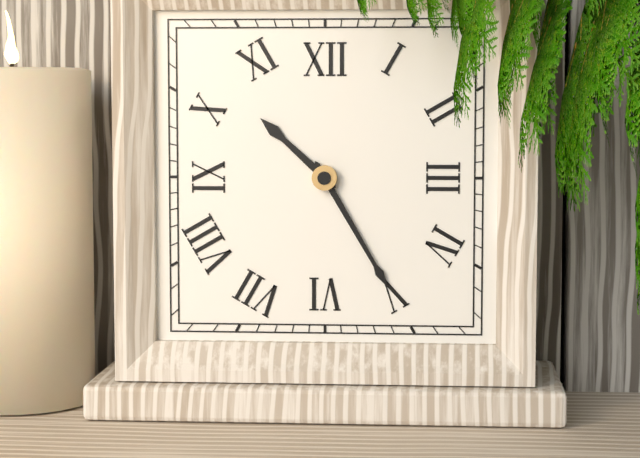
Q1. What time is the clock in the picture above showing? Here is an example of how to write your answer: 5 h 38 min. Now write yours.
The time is 10 h 25 min
